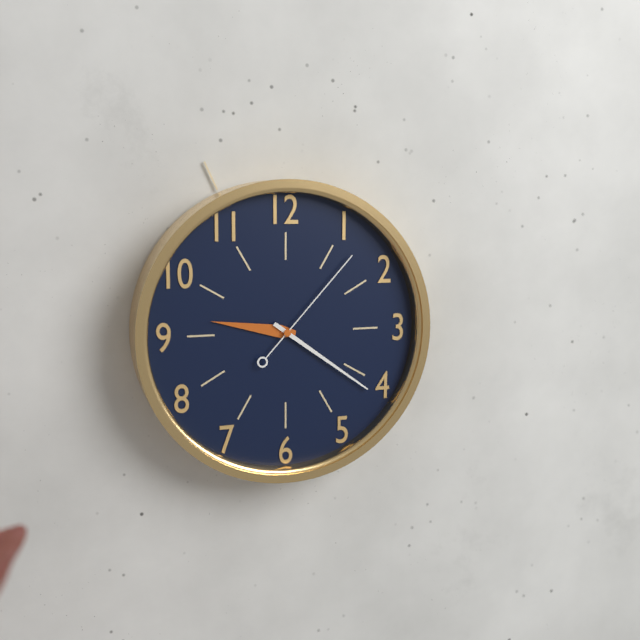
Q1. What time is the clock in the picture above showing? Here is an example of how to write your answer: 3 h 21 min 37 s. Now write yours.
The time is 9 h 21 min 07 s
